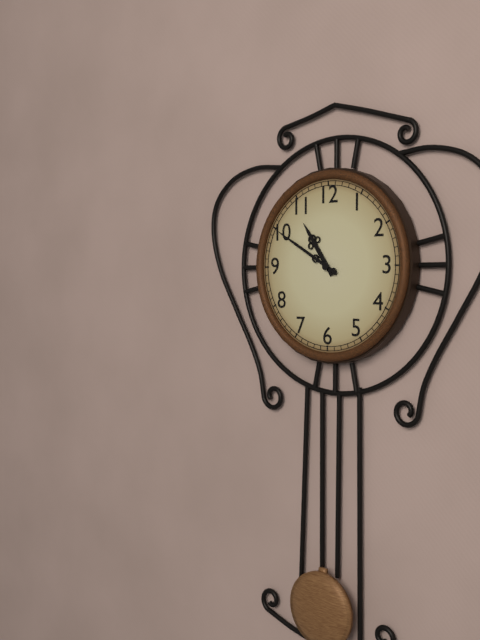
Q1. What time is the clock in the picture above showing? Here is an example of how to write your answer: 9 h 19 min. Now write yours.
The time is 10 h 50 min
